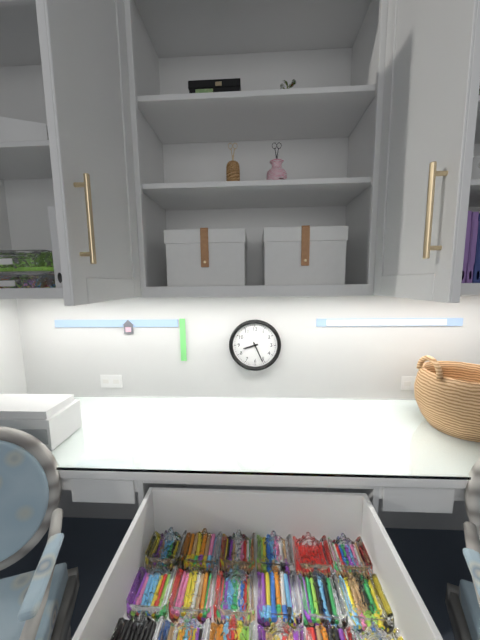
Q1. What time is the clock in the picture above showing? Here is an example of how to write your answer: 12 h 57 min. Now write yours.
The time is 8 h 26 min
